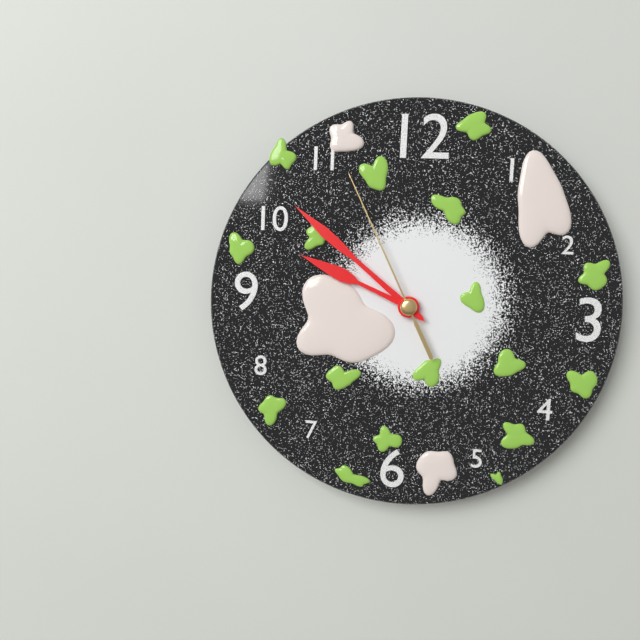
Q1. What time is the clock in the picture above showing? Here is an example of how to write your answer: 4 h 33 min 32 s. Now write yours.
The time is 9 h 52 min 56 s
